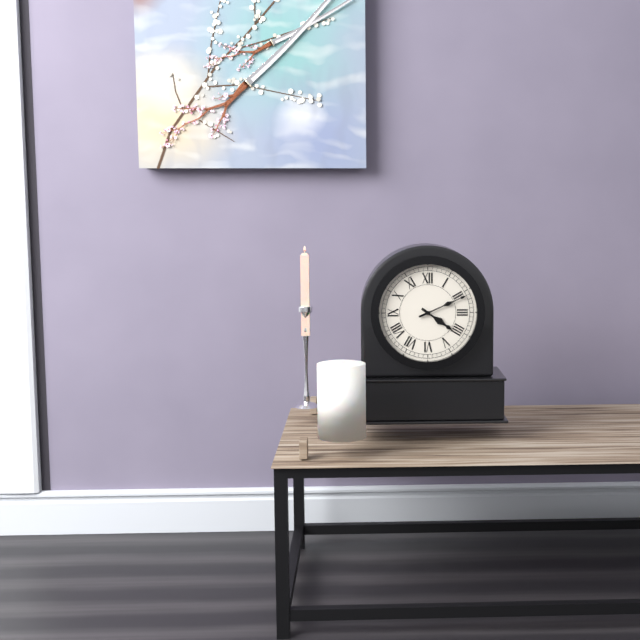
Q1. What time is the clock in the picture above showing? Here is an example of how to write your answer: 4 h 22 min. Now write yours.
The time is 4 h 11 min
